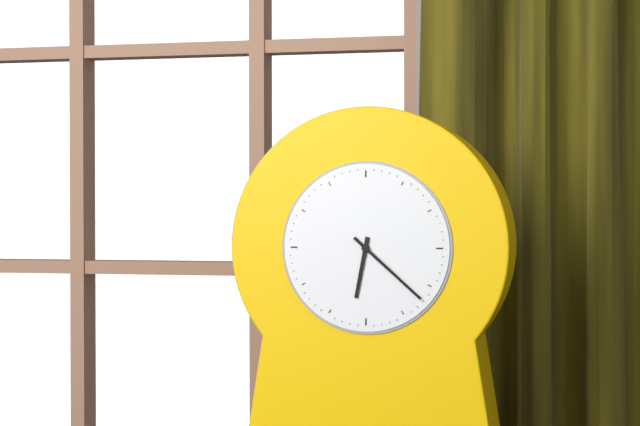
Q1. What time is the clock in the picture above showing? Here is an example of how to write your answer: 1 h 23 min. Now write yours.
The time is 6 h 22 min
